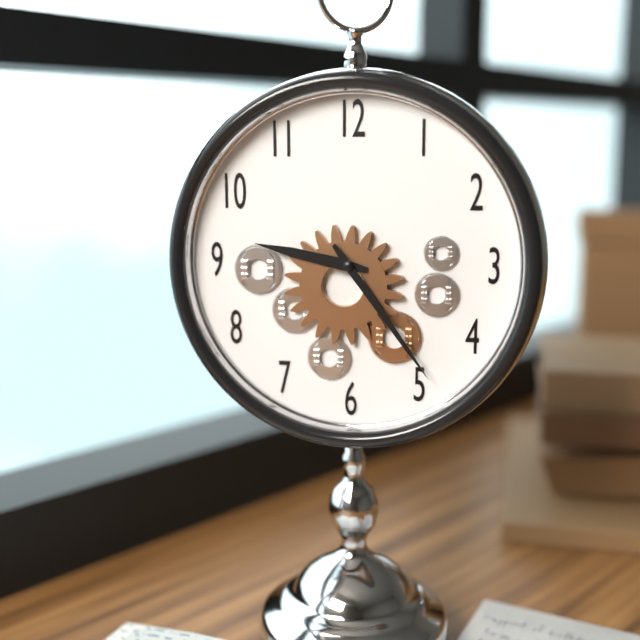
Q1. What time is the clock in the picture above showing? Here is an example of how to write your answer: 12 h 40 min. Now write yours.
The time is 9 h 24 min
